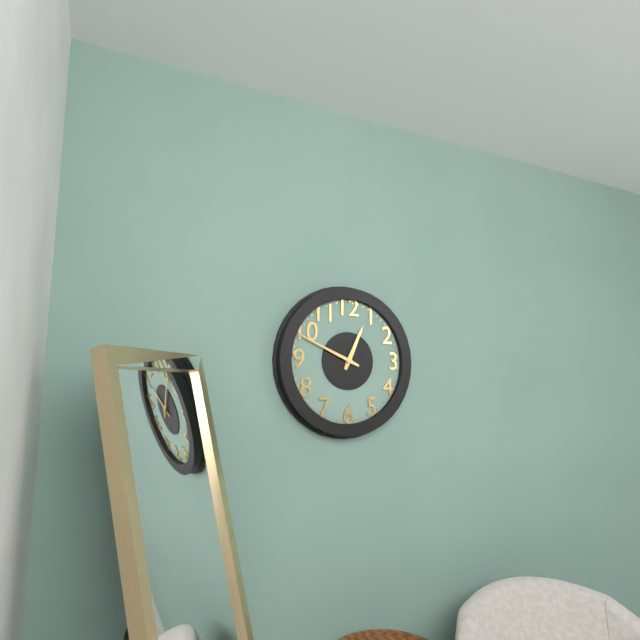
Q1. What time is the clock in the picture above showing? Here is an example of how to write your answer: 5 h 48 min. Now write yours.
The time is 12 h 49 min
